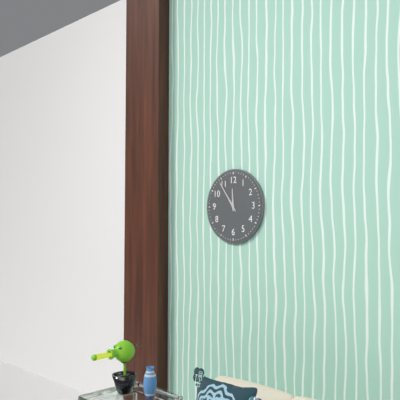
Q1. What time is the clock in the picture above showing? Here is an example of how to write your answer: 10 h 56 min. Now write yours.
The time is 11 h 54 min
